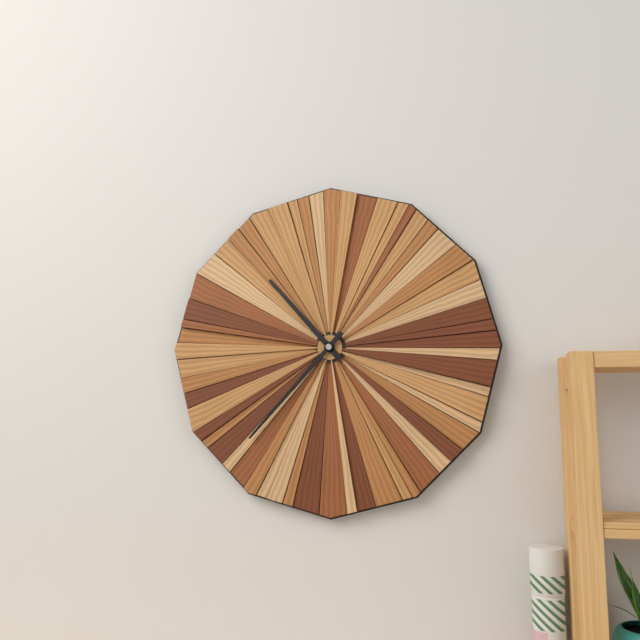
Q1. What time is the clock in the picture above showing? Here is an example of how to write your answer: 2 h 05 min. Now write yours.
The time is 10 h 37 min
